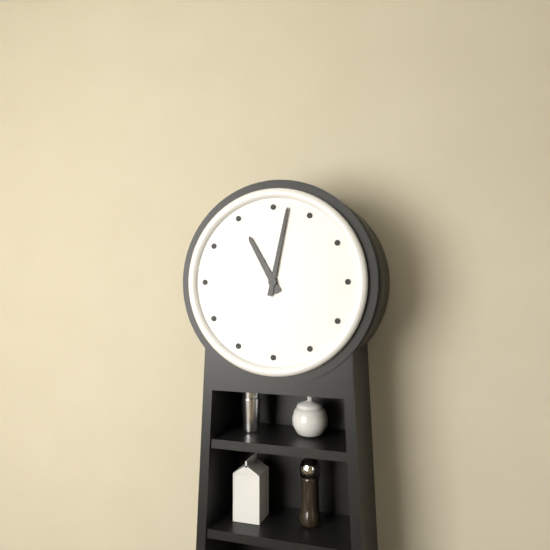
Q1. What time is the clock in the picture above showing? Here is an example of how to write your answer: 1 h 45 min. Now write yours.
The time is 11 h 02 min
